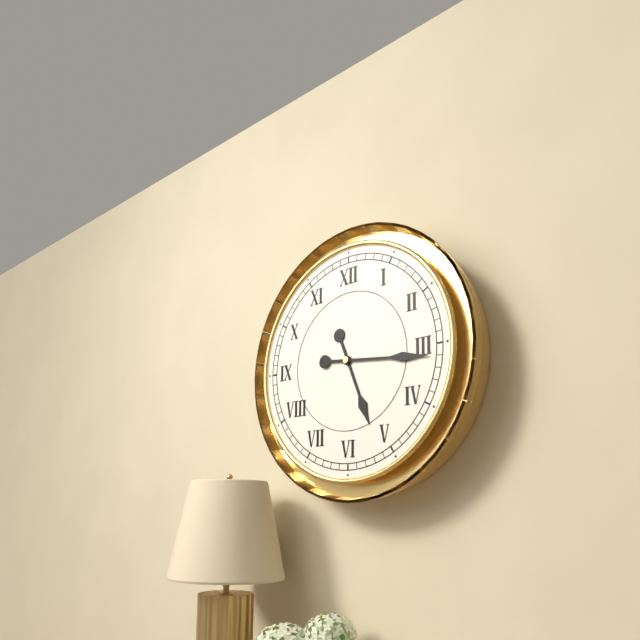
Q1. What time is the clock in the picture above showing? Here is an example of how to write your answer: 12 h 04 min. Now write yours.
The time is 5 h 16 min
